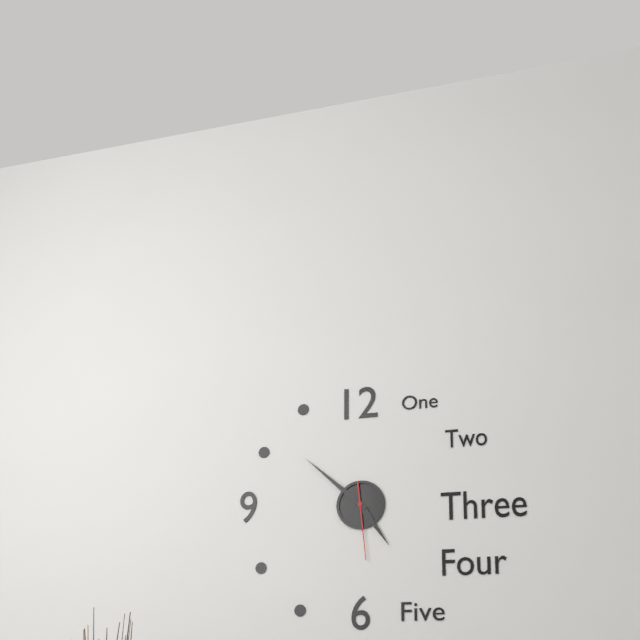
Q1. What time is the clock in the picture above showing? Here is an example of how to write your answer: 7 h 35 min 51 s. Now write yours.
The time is 4 h 52 min 29 s
